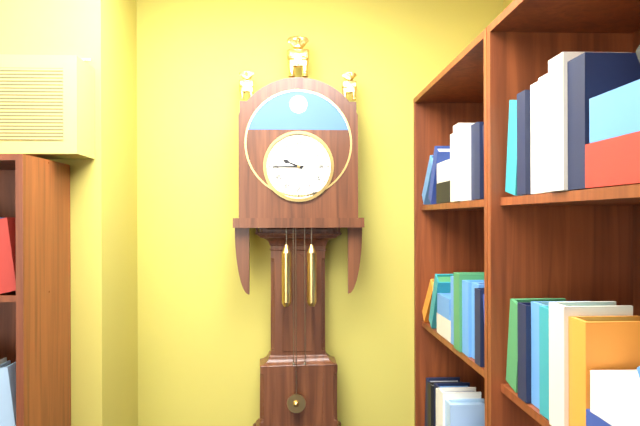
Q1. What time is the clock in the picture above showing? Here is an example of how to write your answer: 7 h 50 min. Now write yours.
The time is 9 h 45 min
